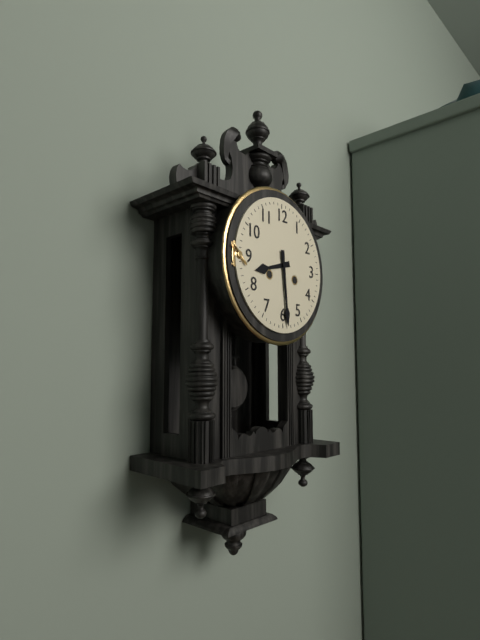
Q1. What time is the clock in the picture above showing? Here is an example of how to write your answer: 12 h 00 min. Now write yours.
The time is 8 h 29 min
